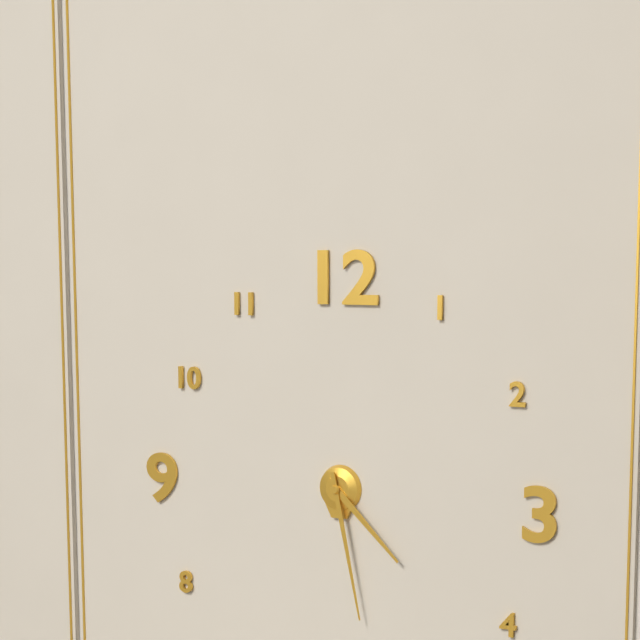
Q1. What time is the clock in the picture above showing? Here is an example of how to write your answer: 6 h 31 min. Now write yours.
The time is 4 h 28 min
